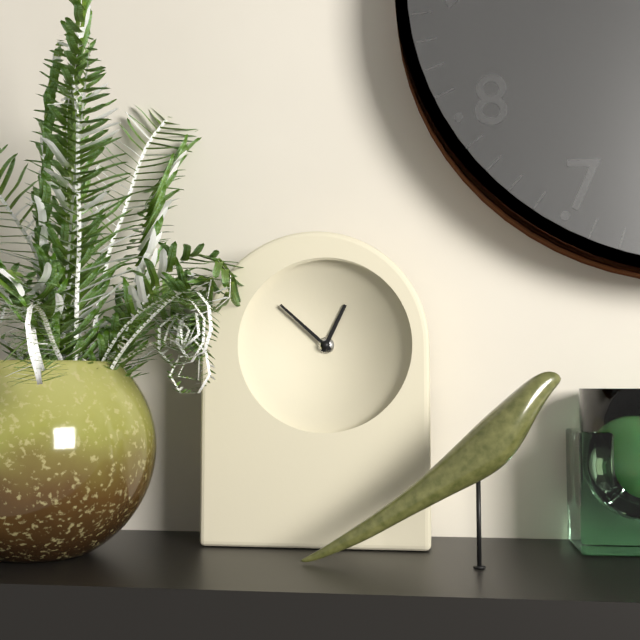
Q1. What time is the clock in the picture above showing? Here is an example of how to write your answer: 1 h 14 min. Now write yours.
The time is 12 h 52 min
